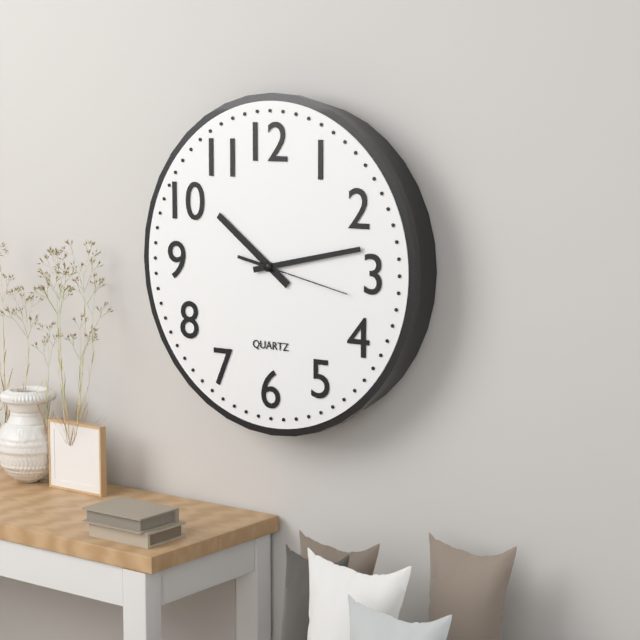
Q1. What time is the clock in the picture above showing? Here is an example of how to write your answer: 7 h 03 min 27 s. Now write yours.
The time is 10 h 13 min 17 s
